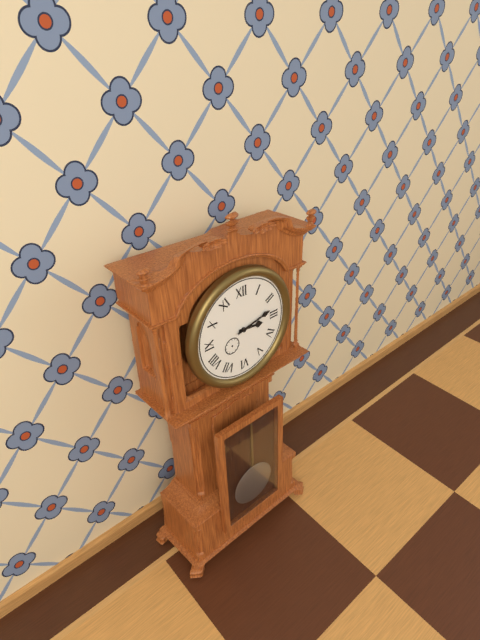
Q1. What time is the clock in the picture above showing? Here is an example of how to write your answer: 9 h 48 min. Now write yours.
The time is 3 h 13 min
